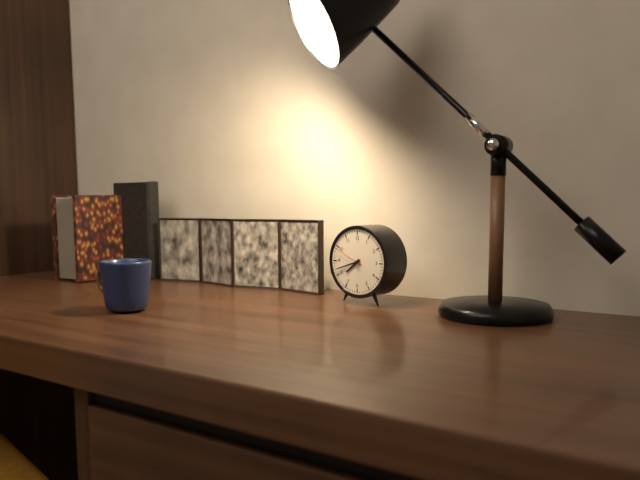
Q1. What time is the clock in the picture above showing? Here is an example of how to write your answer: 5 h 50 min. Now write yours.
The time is 7 h 42 min
